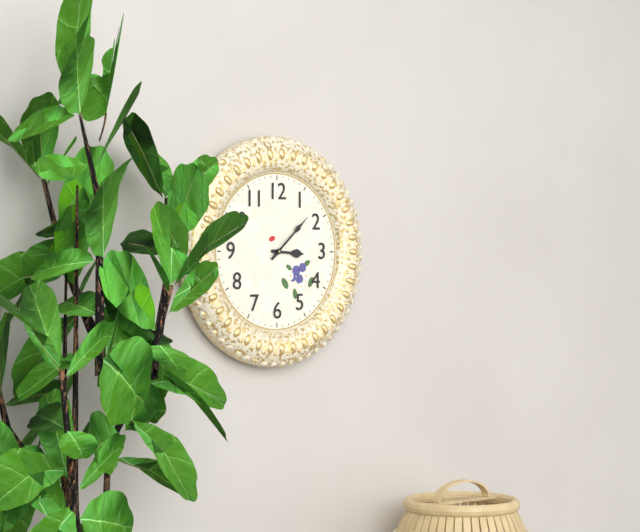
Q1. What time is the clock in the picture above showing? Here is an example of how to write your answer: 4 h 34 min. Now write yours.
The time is 3 h 08 min
